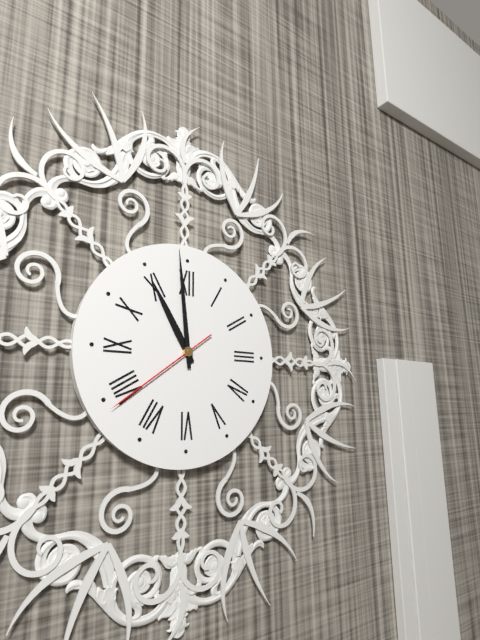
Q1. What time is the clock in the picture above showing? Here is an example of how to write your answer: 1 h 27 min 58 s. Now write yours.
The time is 10 h 59 min 39 s
